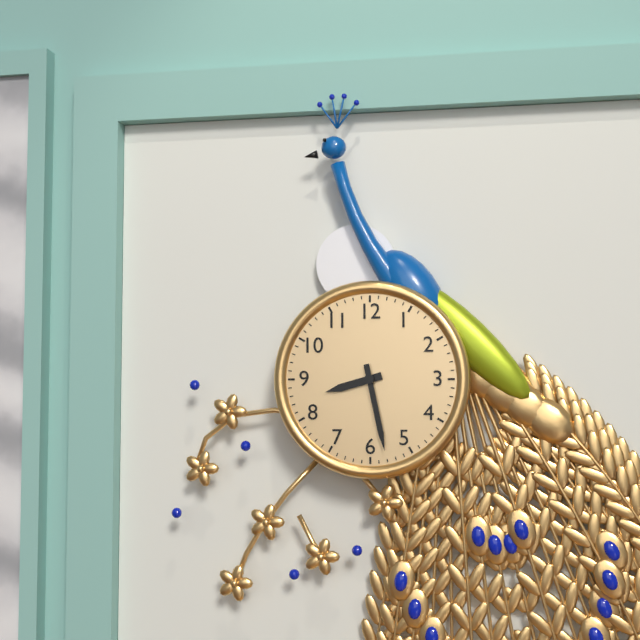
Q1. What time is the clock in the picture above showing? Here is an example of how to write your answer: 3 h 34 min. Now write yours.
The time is 8 h 28 min
